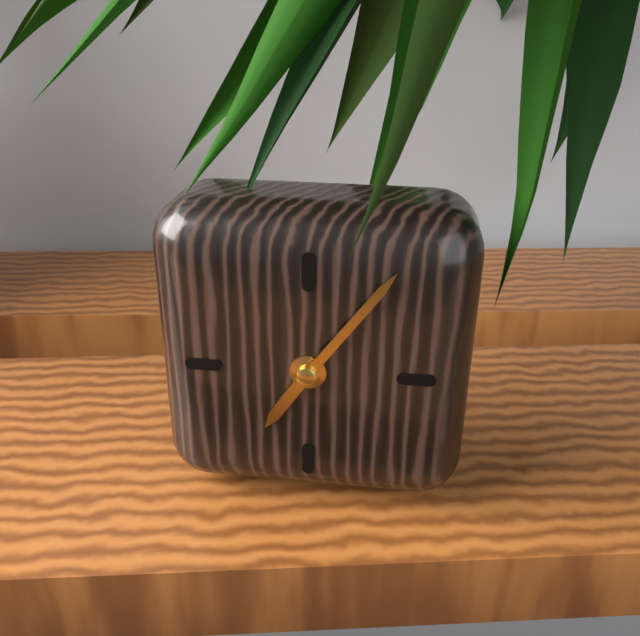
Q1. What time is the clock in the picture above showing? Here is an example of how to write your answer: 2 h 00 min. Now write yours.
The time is 7 h 06 min
